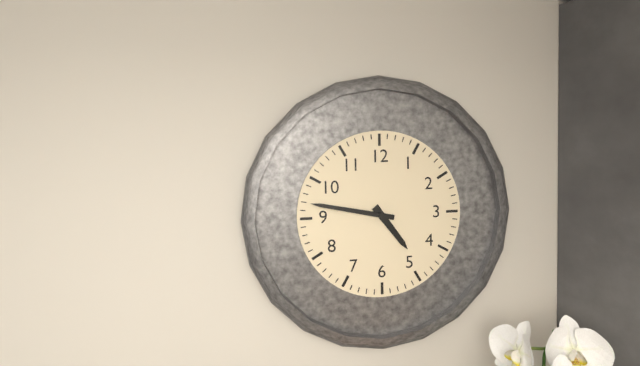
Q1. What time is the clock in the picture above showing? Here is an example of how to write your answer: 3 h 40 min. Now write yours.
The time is 4 h 47 min
